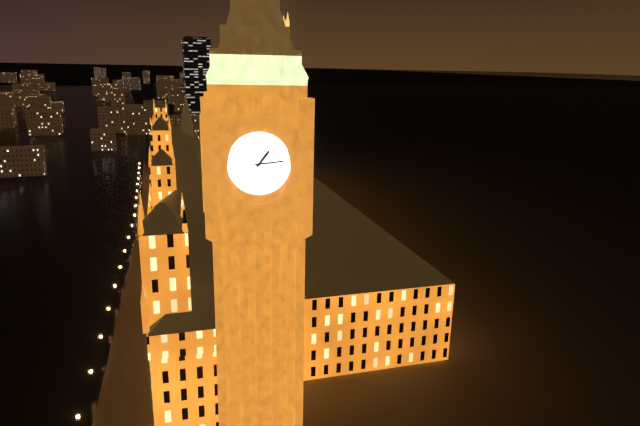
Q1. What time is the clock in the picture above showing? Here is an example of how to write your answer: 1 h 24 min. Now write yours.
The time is 1 h 14 min
